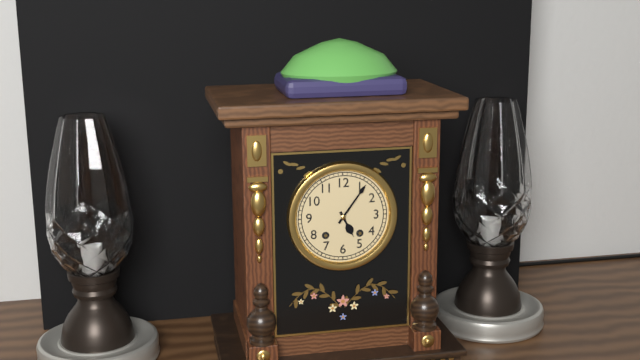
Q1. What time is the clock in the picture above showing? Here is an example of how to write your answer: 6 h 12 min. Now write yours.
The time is 5 h 06 min
